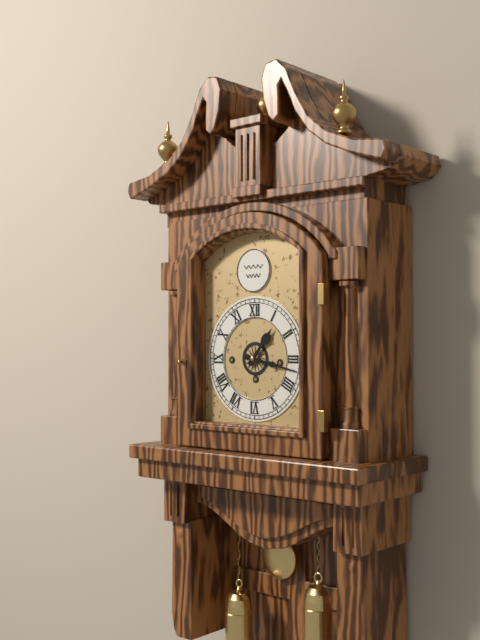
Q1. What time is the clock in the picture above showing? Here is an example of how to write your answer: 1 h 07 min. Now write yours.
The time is 1 h 17 min
